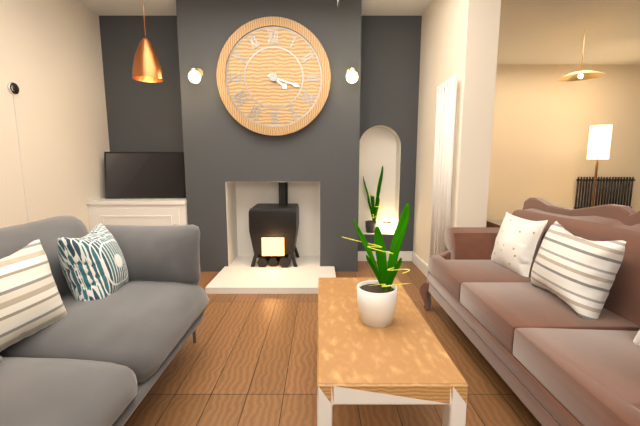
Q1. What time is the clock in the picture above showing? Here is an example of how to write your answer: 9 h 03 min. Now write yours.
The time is 4 h 18 min
